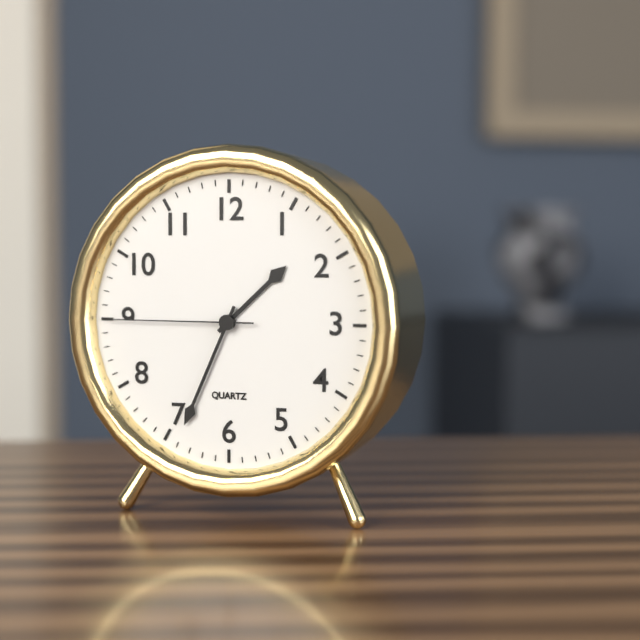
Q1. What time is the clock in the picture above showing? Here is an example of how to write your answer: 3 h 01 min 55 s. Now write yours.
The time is 1 h 34 min 45 s
